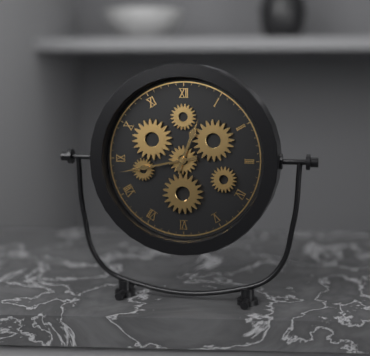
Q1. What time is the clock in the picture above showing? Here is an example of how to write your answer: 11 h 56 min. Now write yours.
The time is 12 h 43 min
